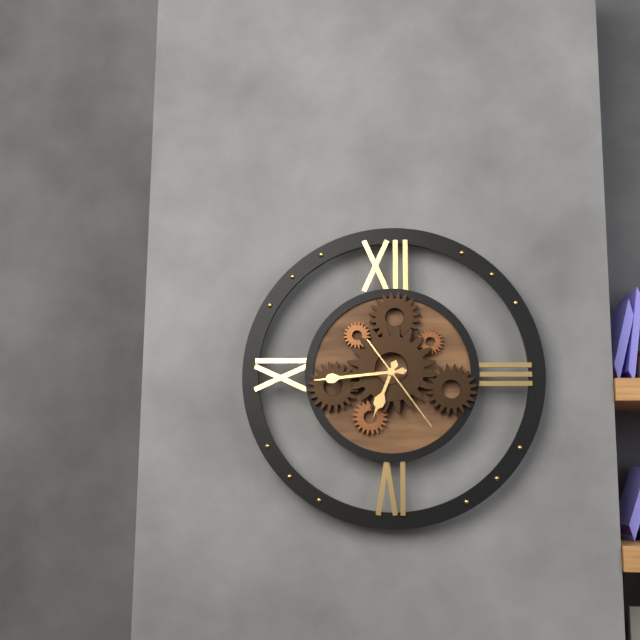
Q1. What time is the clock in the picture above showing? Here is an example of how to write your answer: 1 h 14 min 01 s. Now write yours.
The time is 6 h 44 min 24 s
